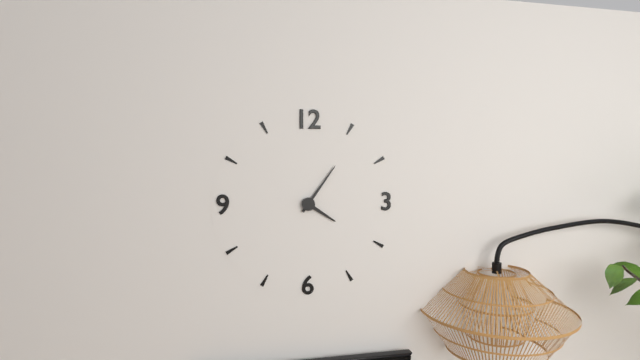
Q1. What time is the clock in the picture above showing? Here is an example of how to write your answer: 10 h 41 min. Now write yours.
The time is 4 h 06 min
